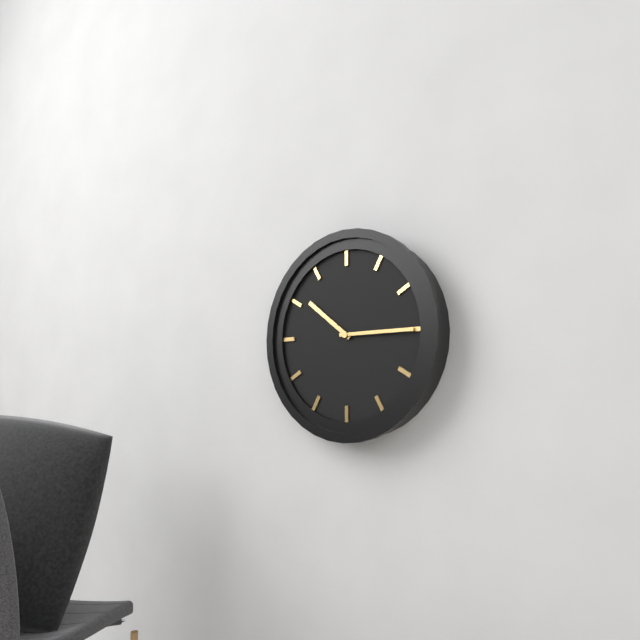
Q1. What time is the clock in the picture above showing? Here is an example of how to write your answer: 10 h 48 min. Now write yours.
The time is 10 h 15 min
